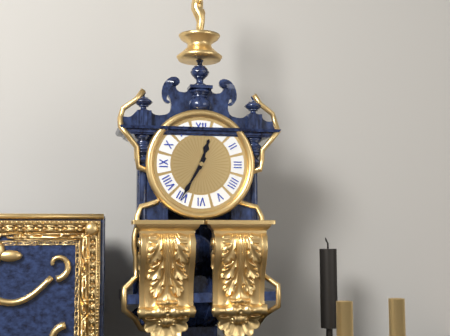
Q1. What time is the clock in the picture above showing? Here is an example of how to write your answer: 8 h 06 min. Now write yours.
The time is 12 h 35 min
